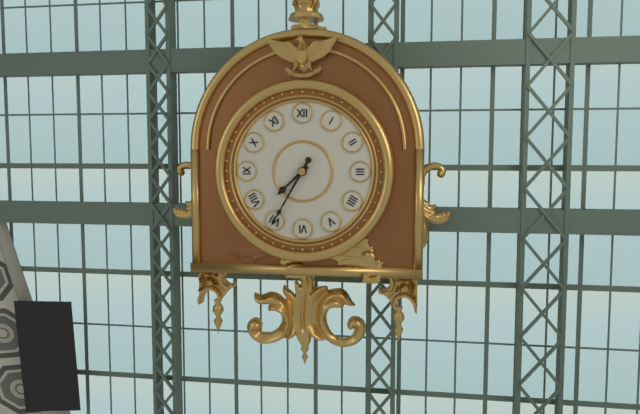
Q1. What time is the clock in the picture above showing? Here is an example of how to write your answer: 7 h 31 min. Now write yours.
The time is 7 h 35 min
